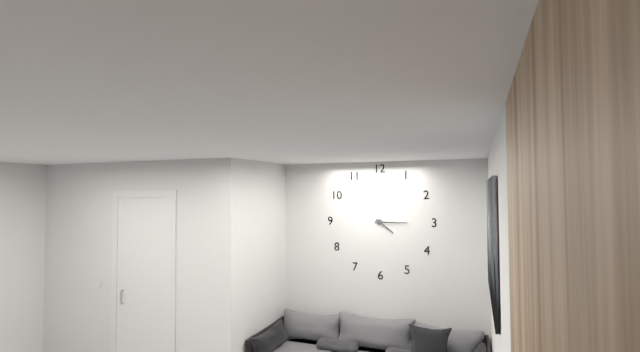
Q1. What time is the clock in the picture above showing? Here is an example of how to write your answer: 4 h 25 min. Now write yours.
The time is 4 h 15 min
